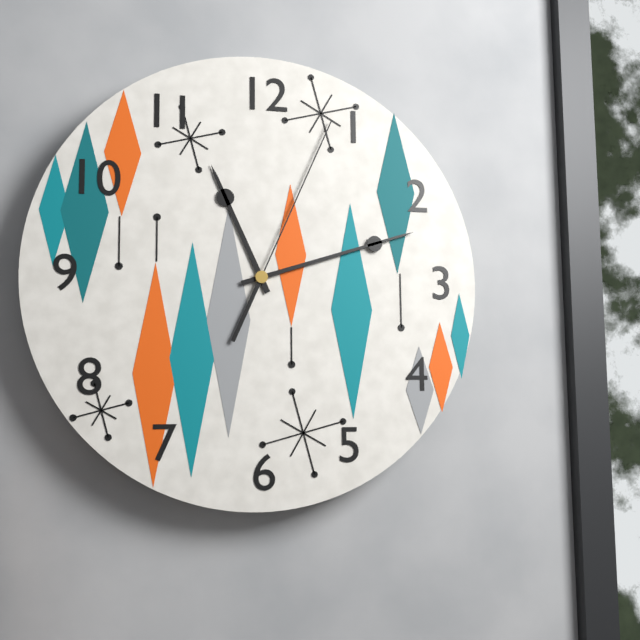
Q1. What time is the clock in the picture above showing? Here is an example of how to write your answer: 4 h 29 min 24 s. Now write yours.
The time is 11 h 12 min 04 s
